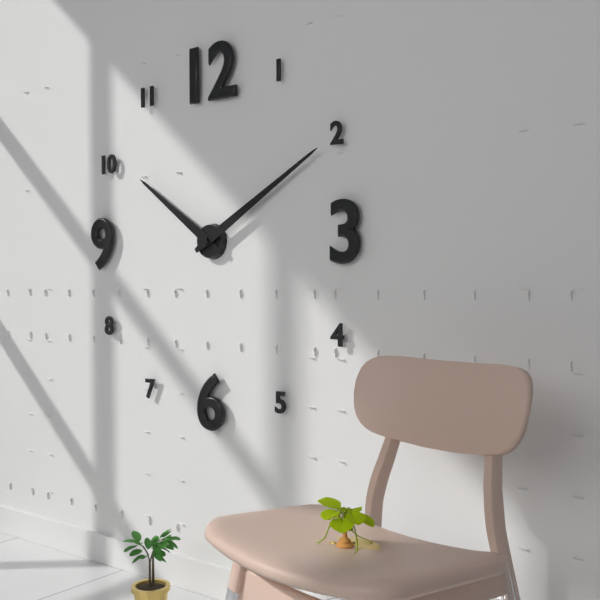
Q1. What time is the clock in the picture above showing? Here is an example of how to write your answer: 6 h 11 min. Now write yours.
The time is 10 h 10 min
